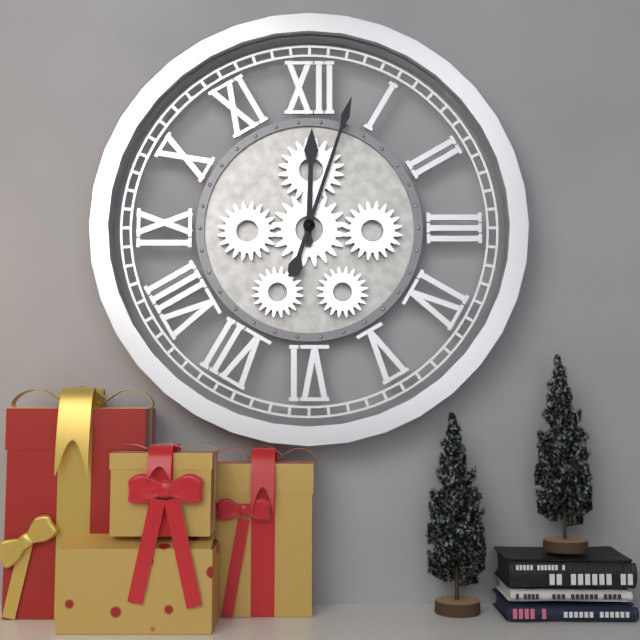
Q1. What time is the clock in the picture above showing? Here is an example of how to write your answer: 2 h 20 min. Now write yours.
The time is 12 h 03 min
